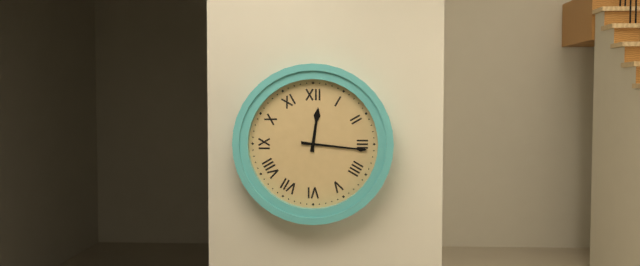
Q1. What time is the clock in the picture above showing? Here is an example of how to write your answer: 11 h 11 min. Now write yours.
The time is 12 h 16 min
